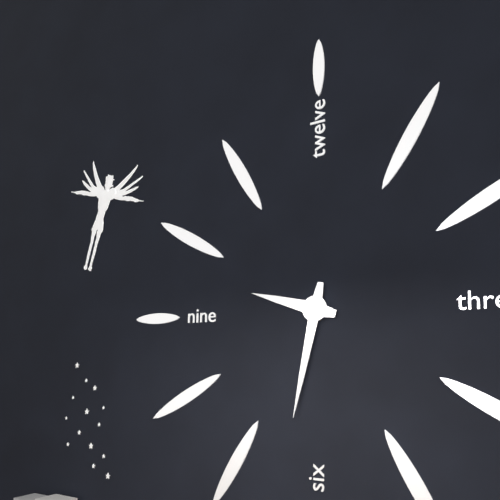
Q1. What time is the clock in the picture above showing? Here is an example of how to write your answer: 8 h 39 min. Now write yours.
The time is 9 h 32 min
